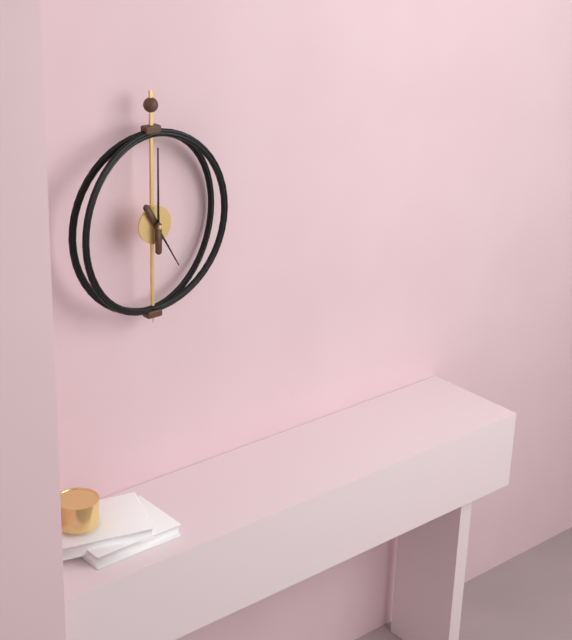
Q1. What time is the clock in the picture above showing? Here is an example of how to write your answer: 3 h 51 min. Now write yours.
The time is 5 h 00 min
